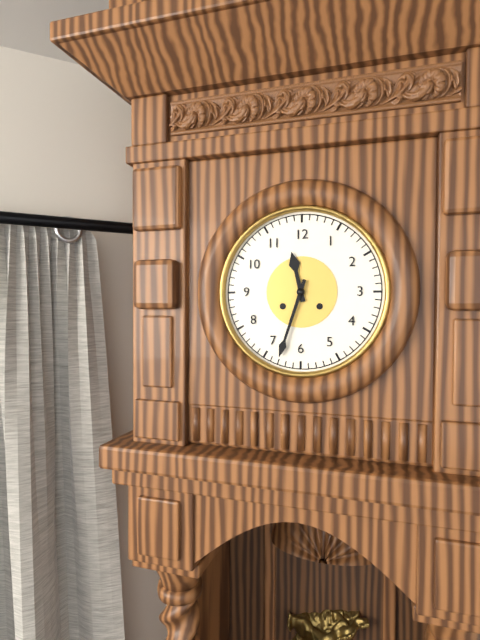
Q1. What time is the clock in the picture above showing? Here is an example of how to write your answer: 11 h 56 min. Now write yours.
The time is 11 h 33 min
